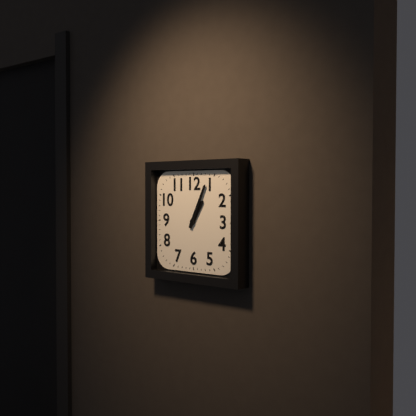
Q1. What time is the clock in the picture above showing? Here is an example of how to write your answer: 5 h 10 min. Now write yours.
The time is 1 h 04 min
